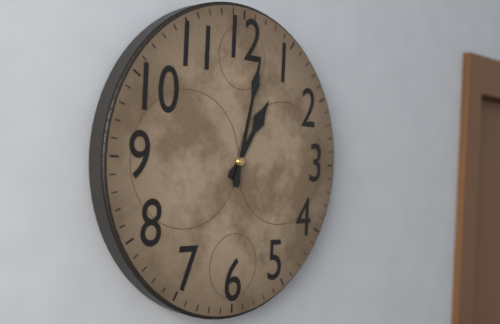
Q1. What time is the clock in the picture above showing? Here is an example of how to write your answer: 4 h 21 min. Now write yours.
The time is 1 h 02 min
